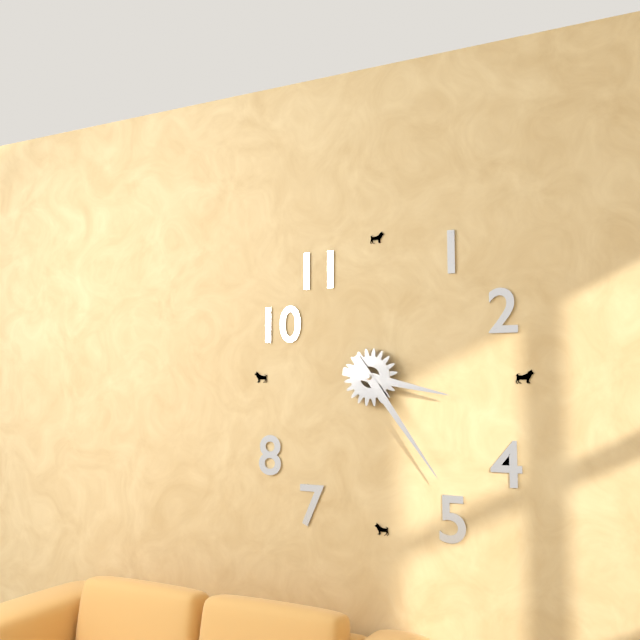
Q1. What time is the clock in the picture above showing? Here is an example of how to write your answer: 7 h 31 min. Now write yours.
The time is 3 h 24 min
